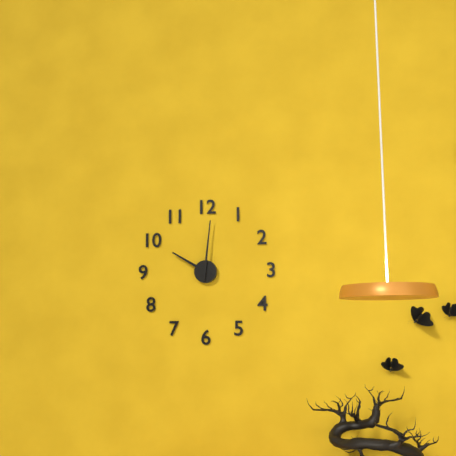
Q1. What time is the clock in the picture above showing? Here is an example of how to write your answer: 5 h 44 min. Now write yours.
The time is 10 h 01 min
